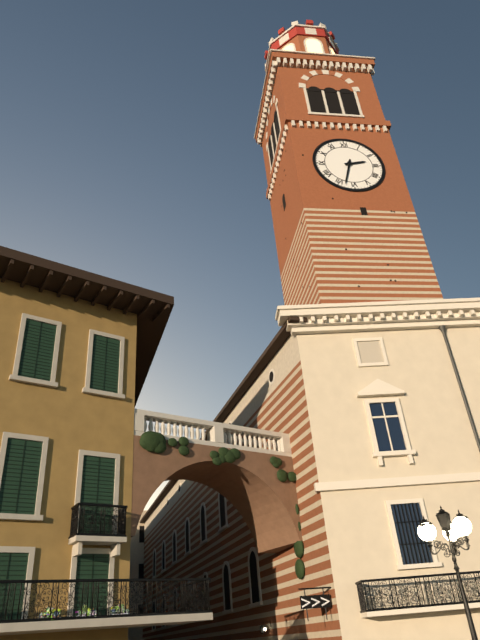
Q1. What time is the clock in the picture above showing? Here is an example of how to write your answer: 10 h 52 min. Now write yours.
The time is 2 h 33 min
